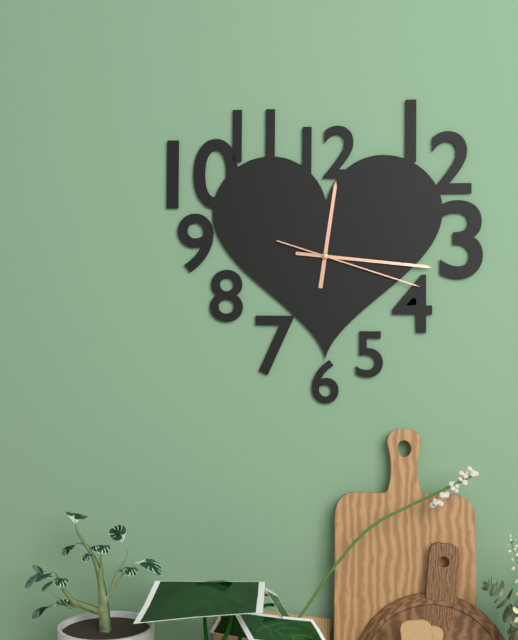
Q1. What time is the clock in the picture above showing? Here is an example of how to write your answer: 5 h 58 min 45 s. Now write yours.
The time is 12 h 16 min 18 s
